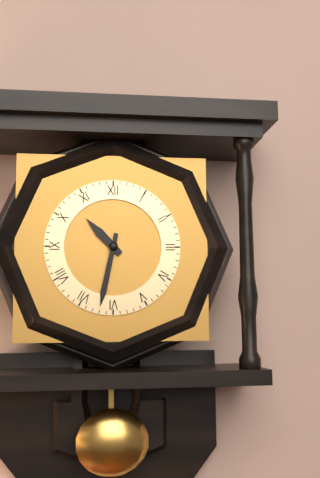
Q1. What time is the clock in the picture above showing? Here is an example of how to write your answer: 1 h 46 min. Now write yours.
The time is 10 h 32 min
